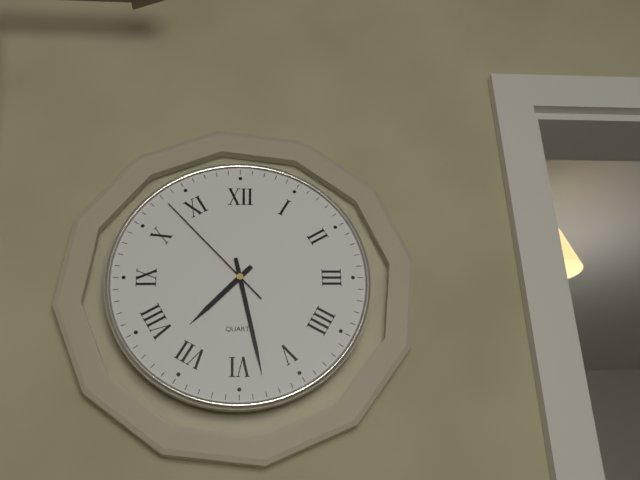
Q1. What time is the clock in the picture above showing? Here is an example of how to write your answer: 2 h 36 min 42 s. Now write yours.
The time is 7 h 28 min 53 s
